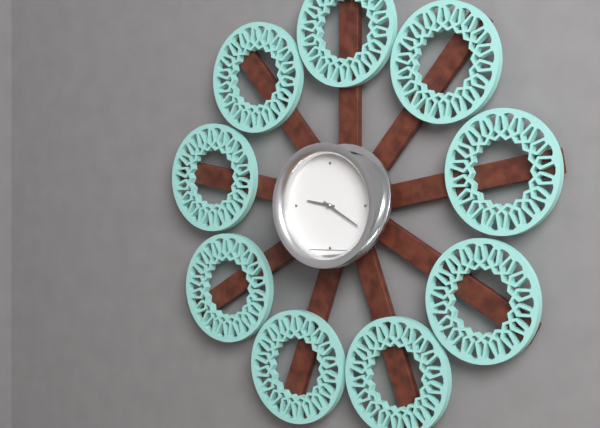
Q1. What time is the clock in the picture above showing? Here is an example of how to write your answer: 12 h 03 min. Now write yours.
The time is 9 h 20 min
